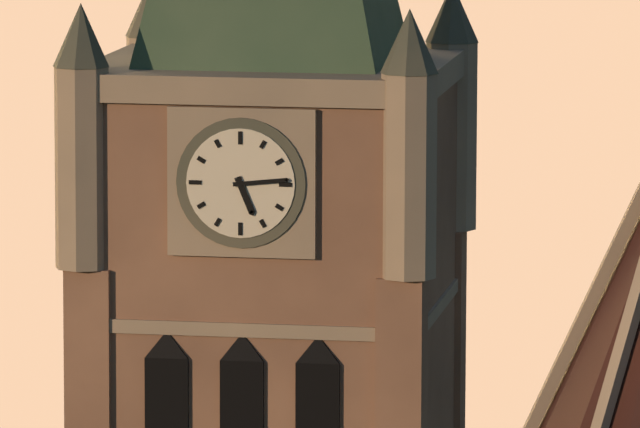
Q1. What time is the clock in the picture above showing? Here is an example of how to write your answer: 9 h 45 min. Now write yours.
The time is 5 h 14 min
